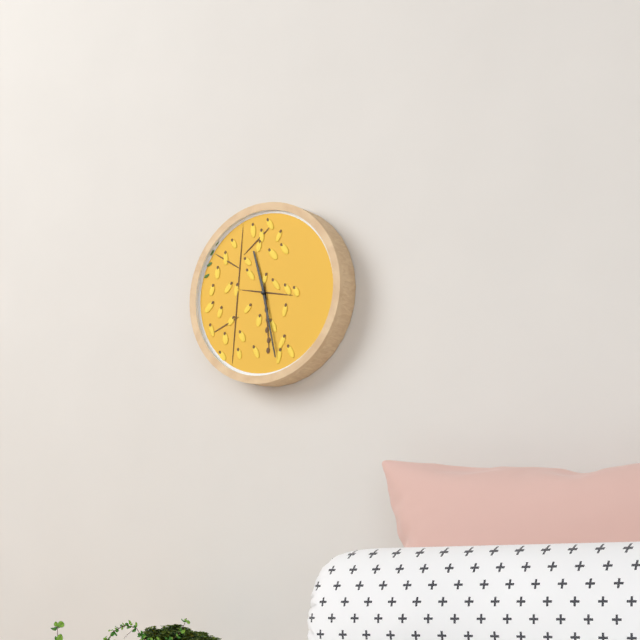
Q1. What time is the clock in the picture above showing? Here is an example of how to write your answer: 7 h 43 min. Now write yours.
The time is 11 h 28 min
